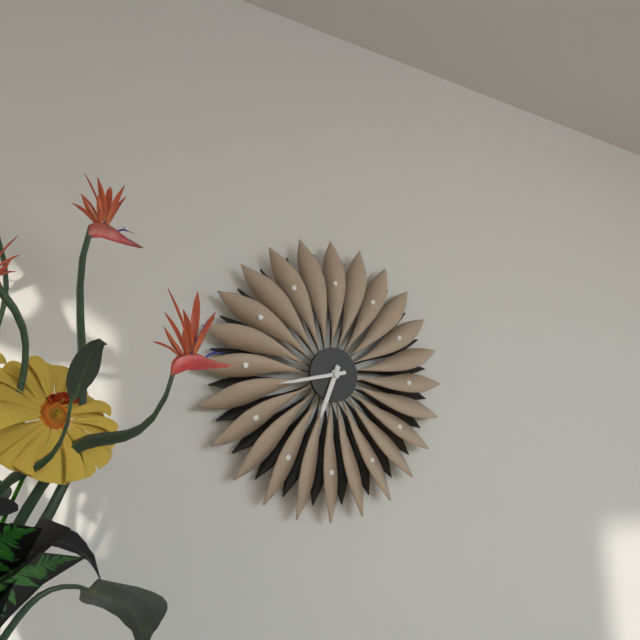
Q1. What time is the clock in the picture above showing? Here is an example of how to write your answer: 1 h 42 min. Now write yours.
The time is 6 h 43 min
